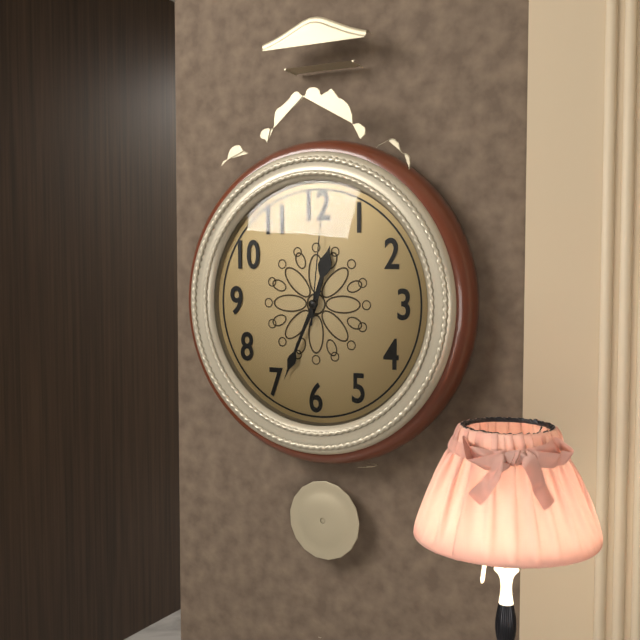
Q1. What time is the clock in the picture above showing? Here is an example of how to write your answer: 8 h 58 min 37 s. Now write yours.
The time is 12 h 34 min 01 s
